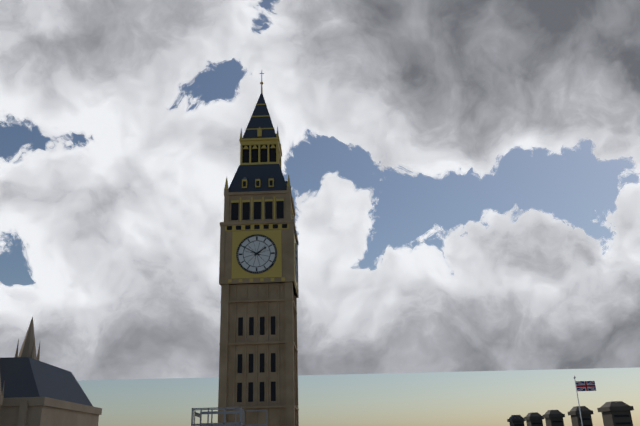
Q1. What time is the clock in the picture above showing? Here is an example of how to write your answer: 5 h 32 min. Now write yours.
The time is 1 h 50 min
